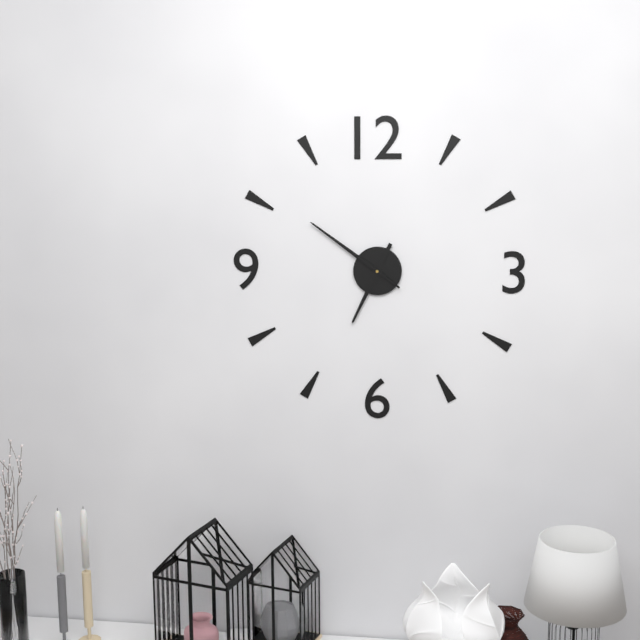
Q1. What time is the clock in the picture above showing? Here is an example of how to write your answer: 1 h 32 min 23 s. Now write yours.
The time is 6 h 51 min 51 s
